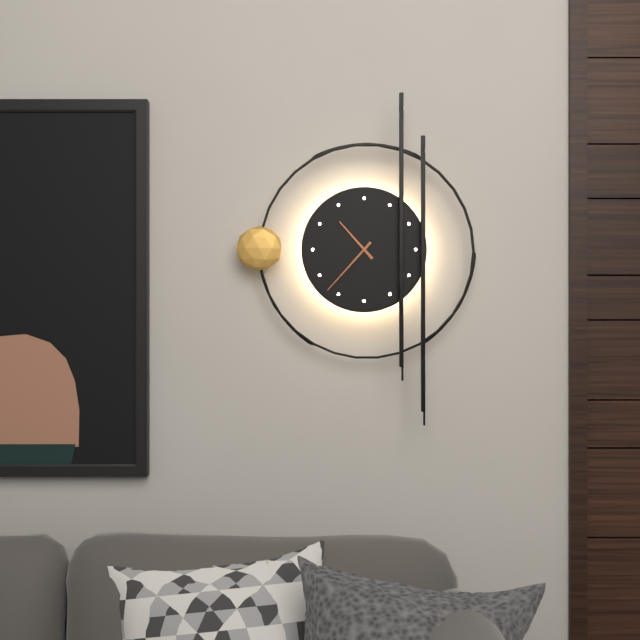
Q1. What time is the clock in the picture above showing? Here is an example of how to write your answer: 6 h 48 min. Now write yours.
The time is 10 h 37 min
